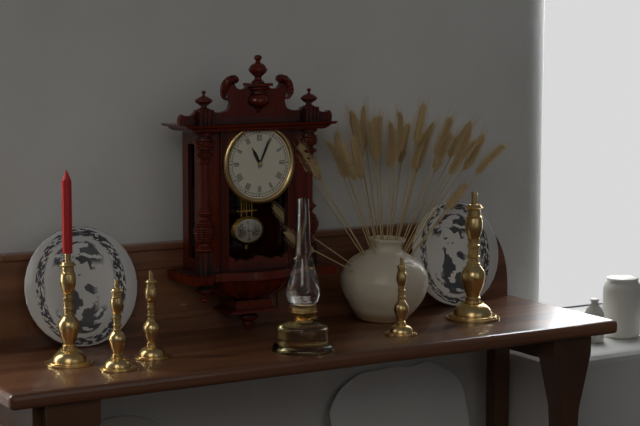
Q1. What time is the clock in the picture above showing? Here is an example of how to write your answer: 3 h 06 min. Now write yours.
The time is 11 h 04 min
